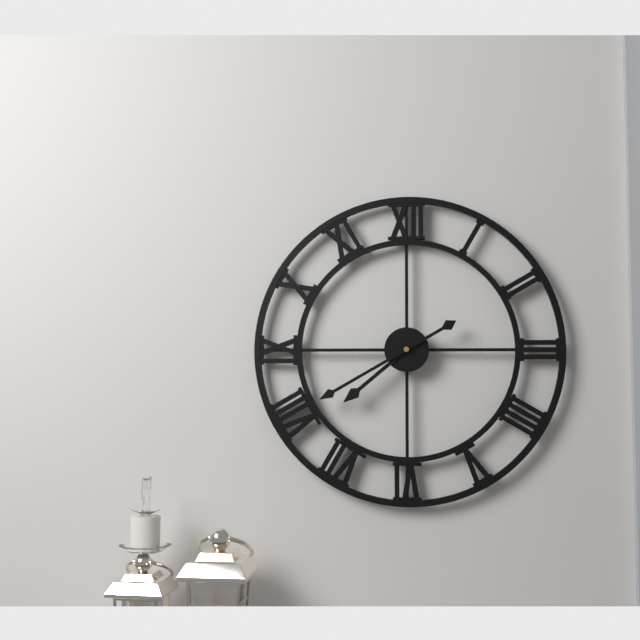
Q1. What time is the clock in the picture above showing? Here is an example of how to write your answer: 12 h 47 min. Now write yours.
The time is 7 h 40 min
